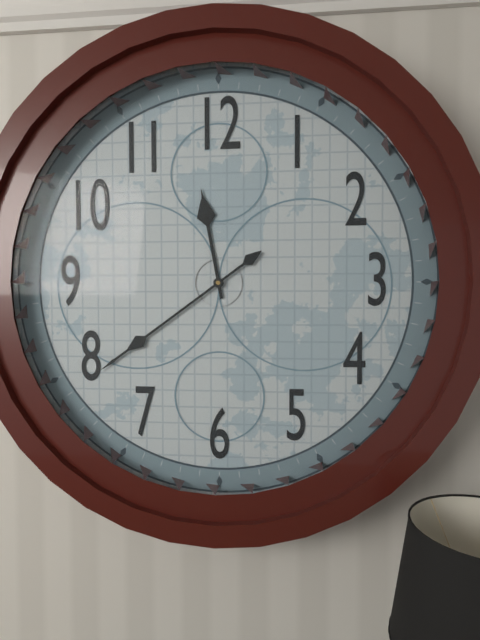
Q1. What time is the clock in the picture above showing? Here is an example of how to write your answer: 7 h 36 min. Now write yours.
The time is 11 h 39 min
